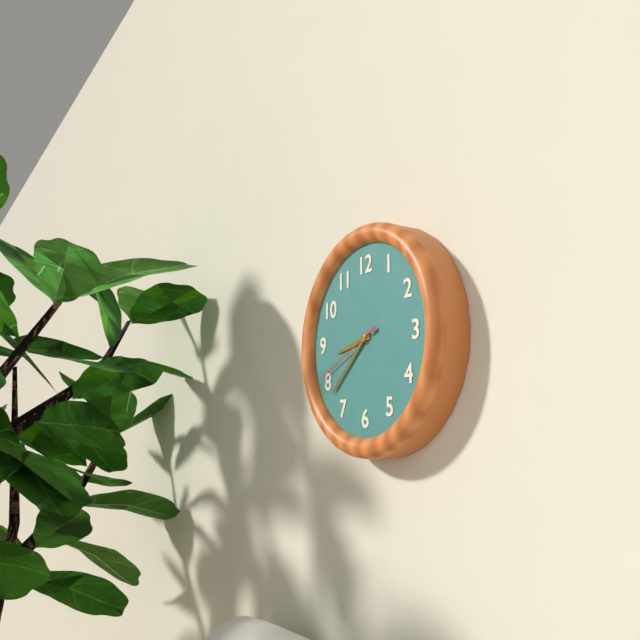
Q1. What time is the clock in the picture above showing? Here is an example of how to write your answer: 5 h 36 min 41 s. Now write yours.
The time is 8 h 38 min 41 s
